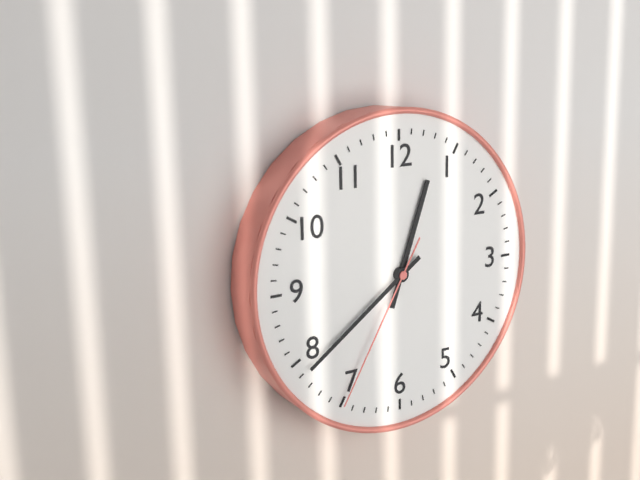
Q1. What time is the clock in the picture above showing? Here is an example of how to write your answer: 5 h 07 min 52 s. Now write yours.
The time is 12 h 39 min 35 s
